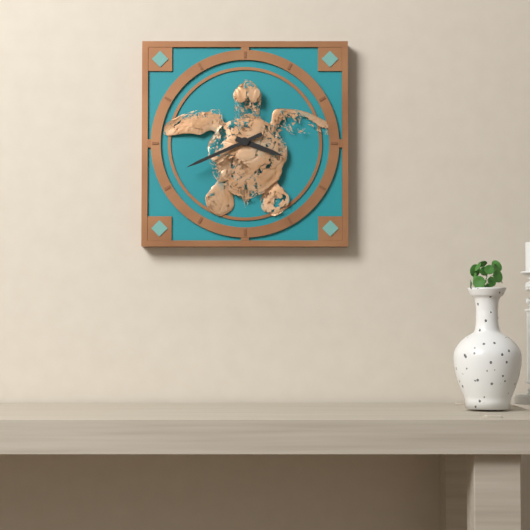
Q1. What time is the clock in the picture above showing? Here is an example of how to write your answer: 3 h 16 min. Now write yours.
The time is 3 h 41 min
